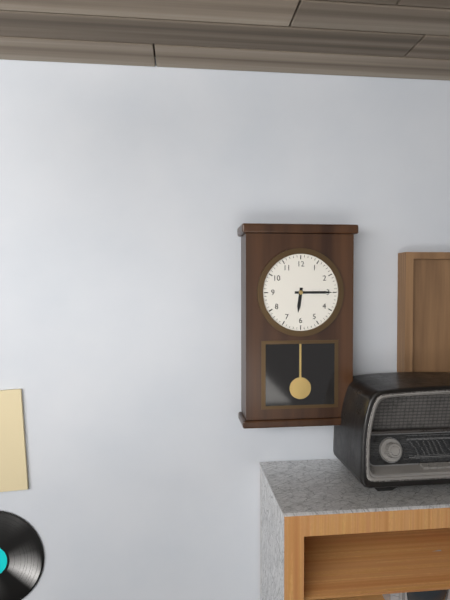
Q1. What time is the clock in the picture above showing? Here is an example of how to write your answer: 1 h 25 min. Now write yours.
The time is 6 h 15 min
